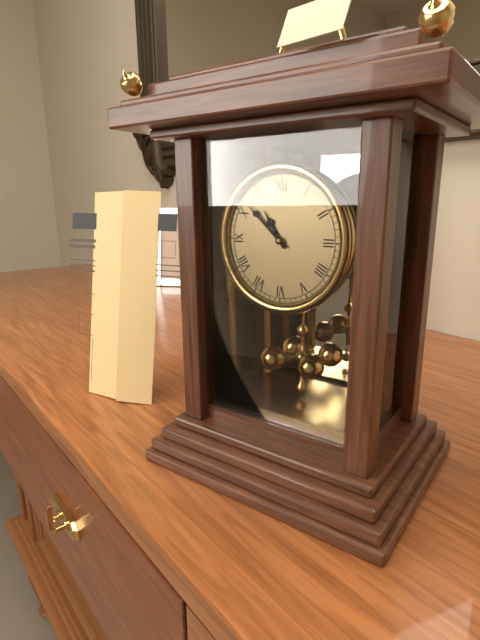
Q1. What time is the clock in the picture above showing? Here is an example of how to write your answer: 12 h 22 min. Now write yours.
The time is 10 h 52 min
